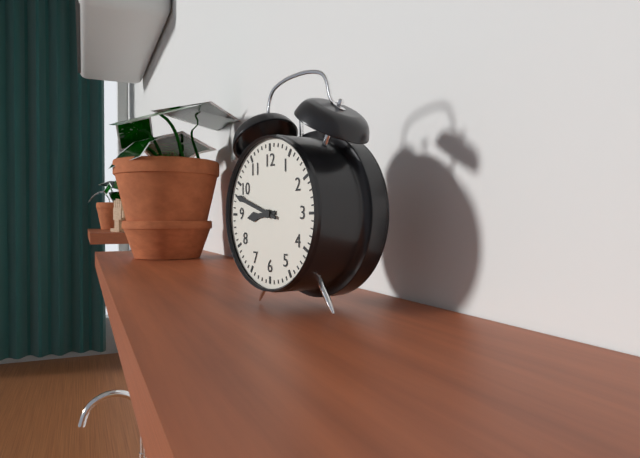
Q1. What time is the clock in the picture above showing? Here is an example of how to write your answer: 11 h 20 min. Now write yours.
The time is 8 h 48 min
